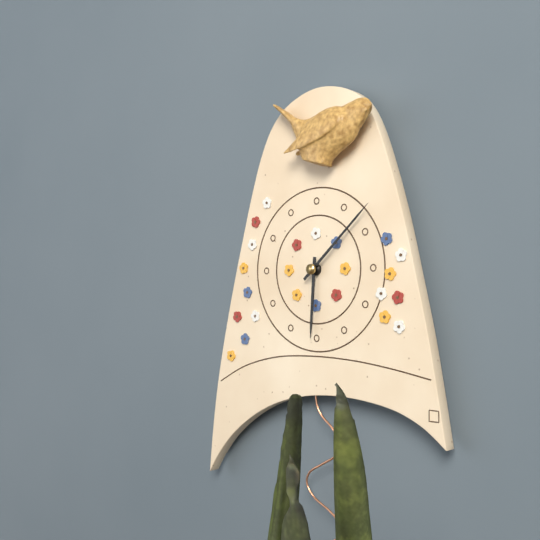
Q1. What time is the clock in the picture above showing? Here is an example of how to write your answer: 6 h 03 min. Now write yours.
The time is 6 h 08 min
